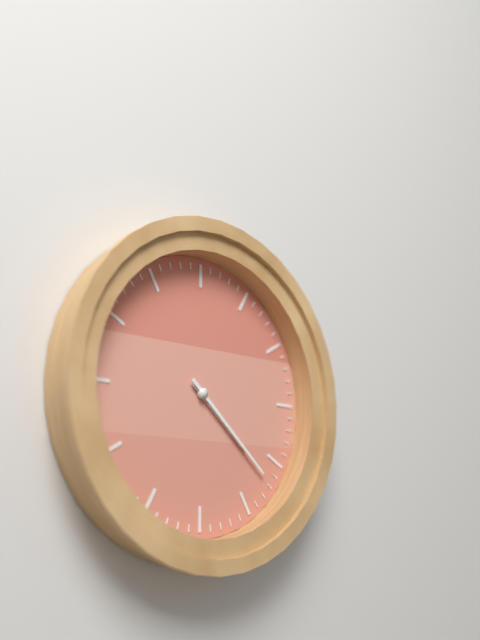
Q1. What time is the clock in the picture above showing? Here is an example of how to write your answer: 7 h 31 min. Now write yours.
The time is 4 h 22 min
